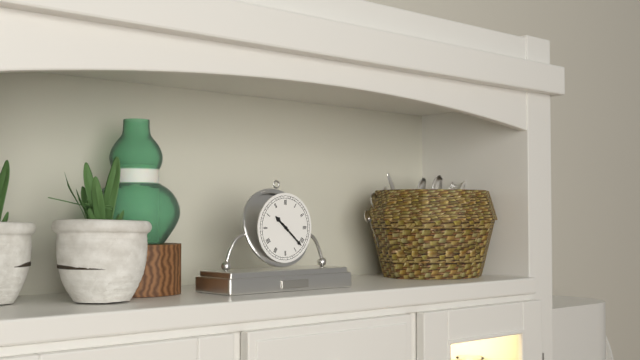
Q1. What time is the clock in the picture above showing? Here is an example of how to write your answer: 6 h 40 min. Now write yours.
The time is 10 h 22 min
